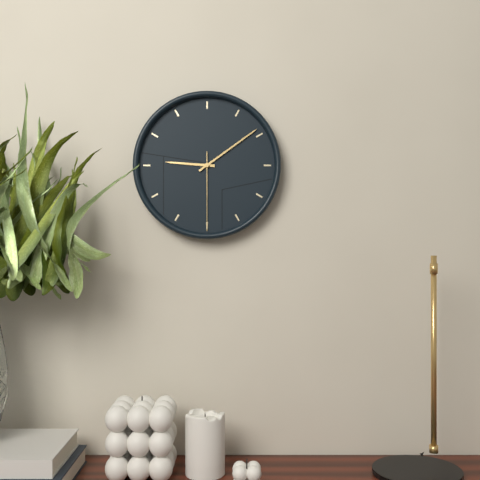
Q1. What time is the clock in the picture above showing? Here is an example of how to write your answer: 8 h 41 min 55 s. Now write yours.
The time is 9 h 09 min 30 s
